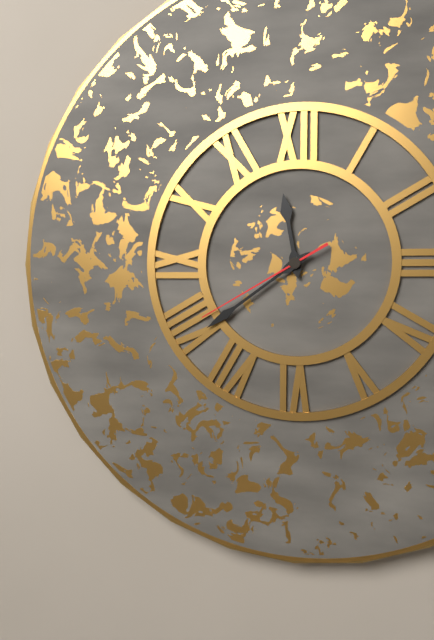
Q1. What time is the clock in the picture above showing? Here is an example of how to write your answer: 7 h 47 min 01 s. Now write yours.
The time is 11 h 39 min 40 s
